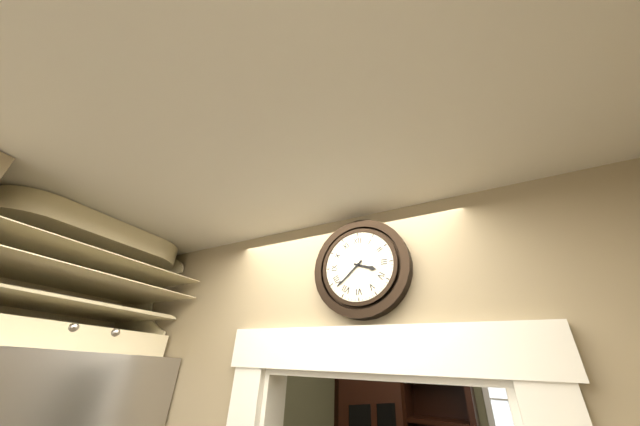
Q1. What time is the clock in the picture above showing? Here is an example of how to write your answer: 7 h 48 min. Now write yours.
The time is 3 h 38 min
